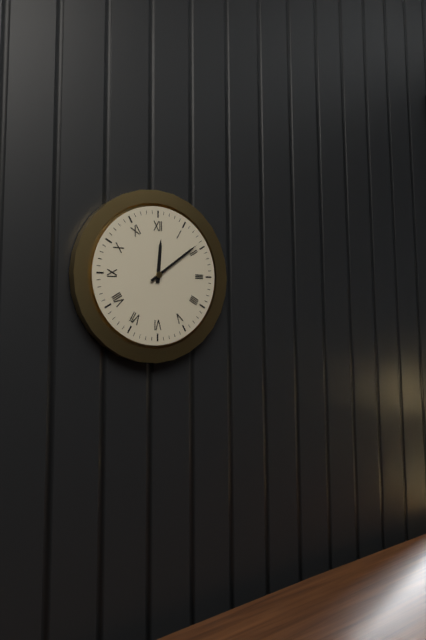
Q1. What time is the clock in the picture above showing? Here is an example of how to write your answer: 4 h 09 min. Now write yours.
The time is 12 h 09 min
